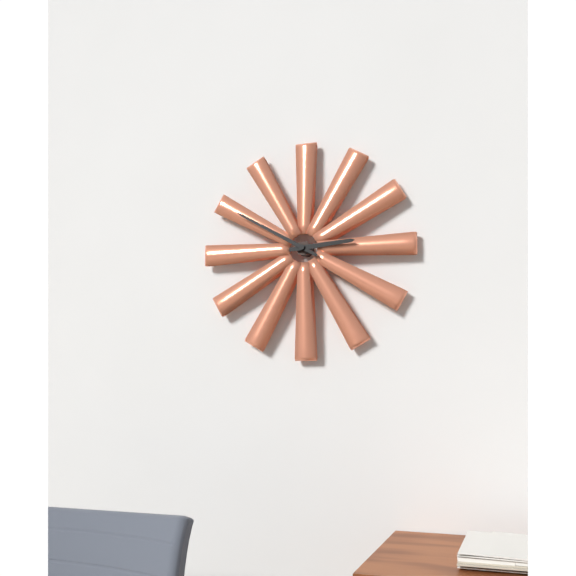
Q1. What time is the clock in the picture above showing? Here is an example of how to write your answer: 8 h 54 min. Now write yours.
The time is 2 h 50 min
